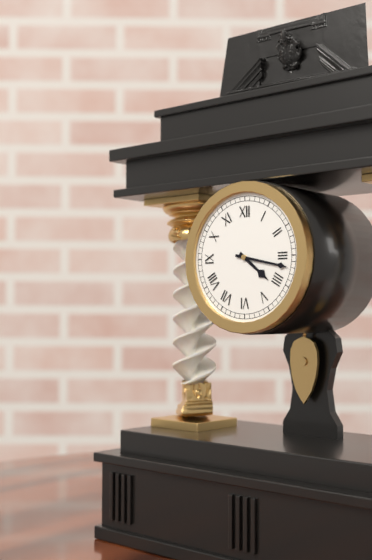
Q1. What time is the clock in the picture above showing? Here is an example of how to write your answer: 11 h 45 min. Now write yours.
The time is 4 h 17 min
